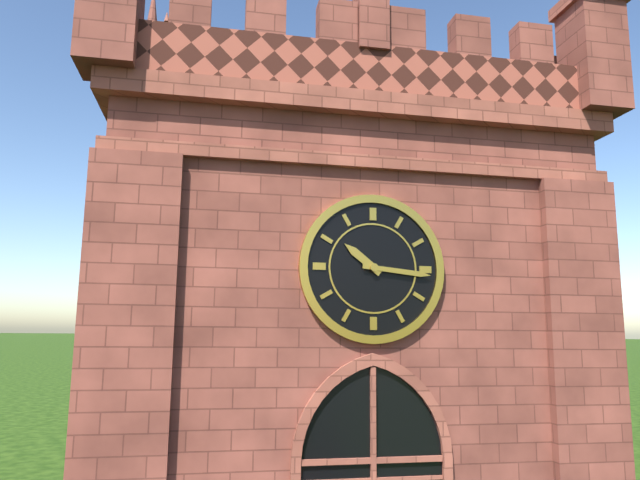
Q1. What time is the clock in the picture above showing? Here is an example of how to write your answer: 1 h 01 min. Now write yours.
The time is 10 h 16 min
